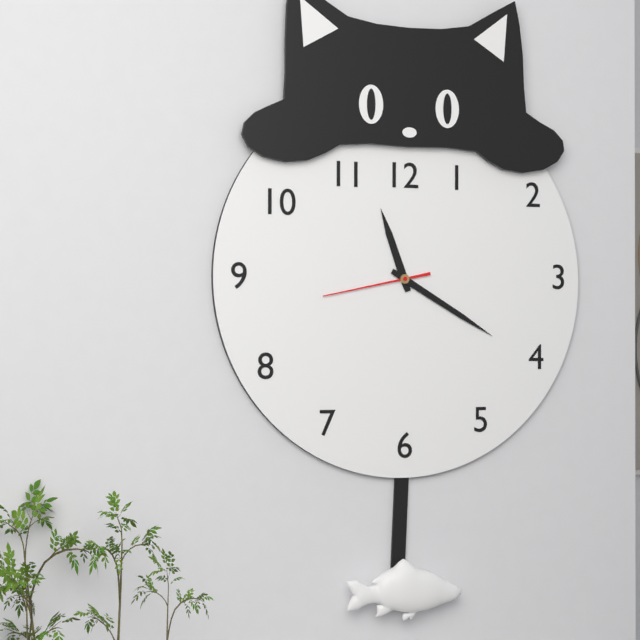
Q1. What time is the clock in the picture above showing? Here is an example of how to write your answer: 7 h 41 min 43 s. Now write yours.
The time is 11 h 20 min 43 s
